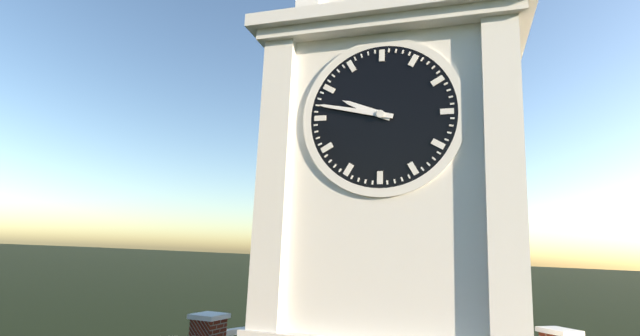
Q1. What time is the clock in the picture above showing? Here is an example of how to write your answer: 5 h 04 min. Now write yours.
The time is 9 h 47 min
